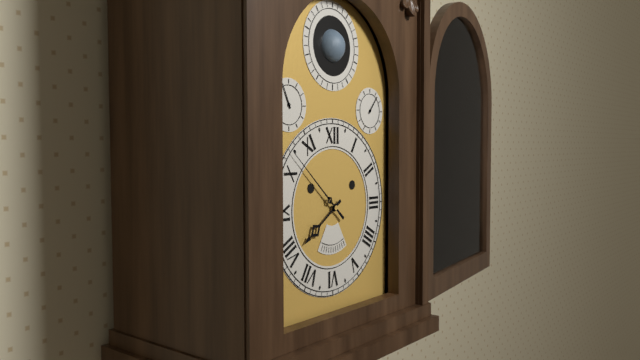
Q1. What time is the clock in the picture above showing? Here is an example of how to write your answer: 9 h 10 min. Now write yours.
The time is 7 h 52 min
